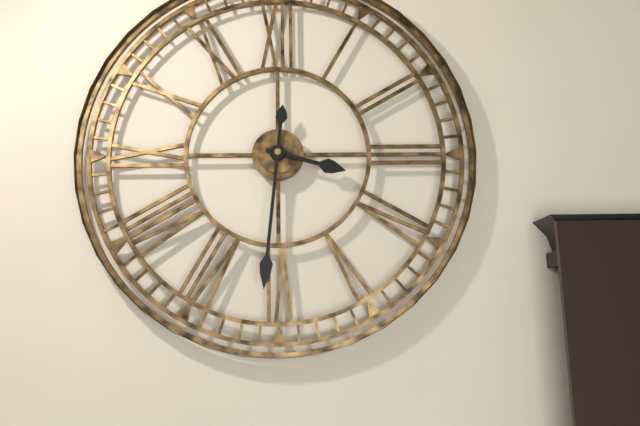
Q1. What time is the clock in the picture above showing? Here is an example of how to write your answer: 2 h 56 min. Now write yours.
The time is 3 h 31 min
